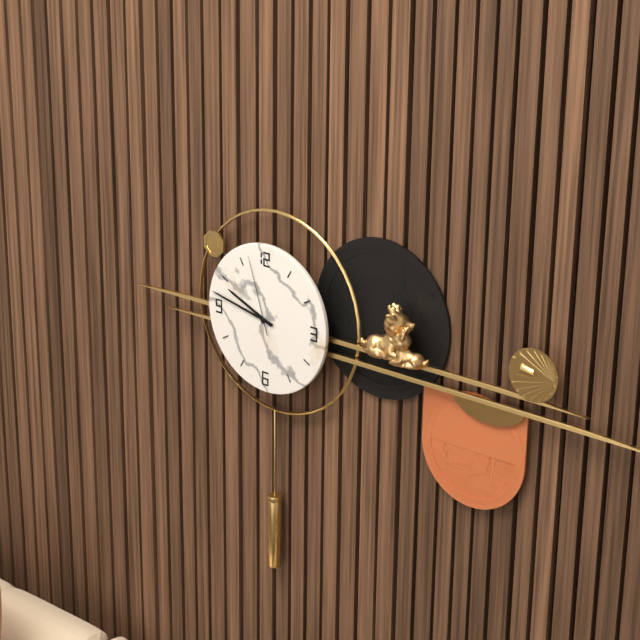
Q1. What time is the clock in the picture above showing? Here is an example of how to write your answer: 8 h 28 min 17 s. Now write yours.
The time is 9 h 47 min 57 s
